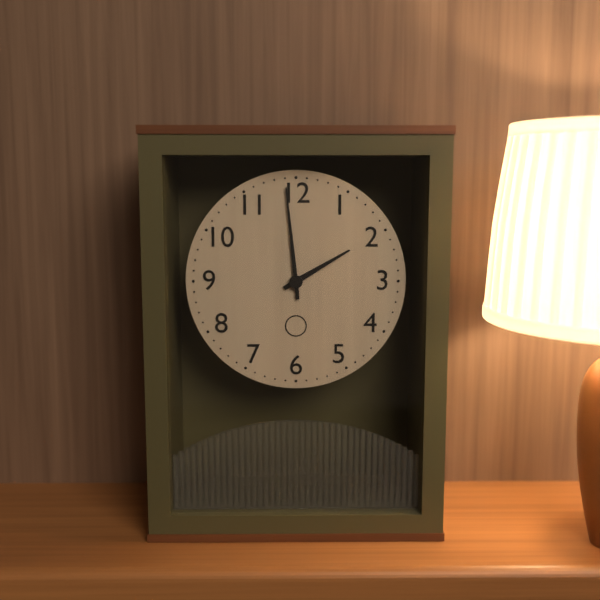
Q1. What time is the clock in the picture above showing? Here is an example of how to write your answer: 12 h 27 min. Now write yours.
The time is 1 h 59 min
